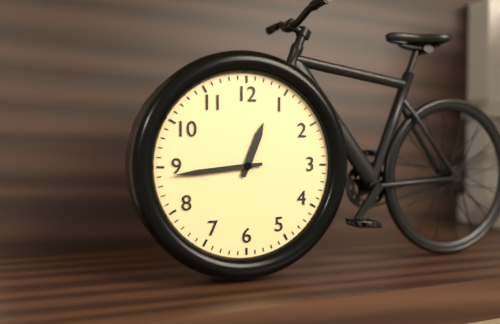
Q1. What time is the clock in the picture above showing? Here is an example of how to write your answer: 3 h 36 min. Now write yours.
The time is 12 h 44 min
